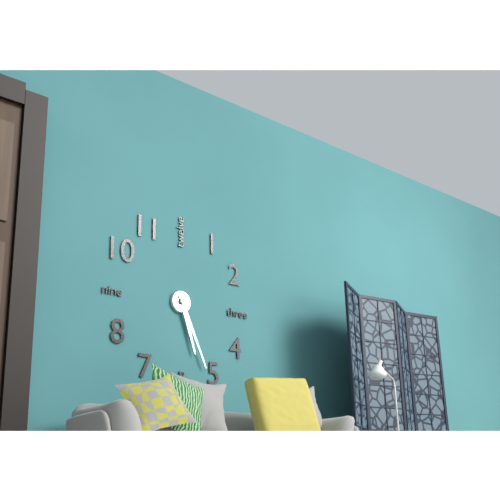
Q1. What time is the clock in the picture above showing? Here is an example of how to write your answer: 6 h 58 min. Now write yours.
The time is 5 h 26 min
